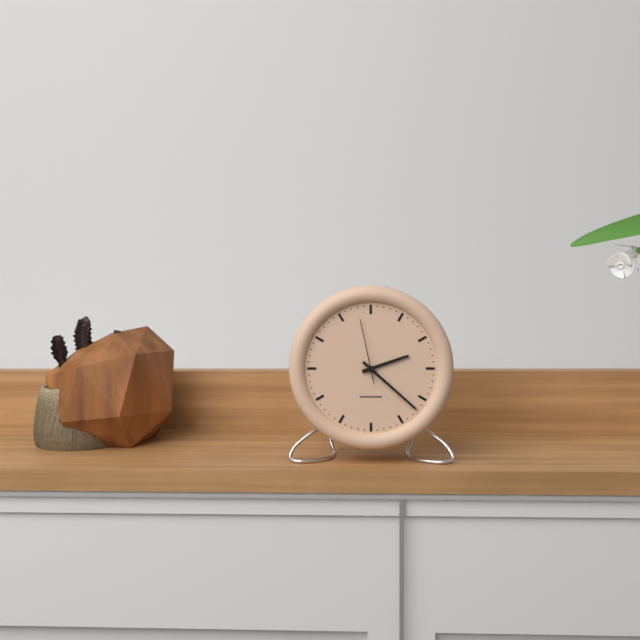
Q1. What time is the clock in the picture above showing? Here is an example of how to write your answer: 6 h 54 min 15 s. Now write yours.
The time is 2 h 22 min 58 s
